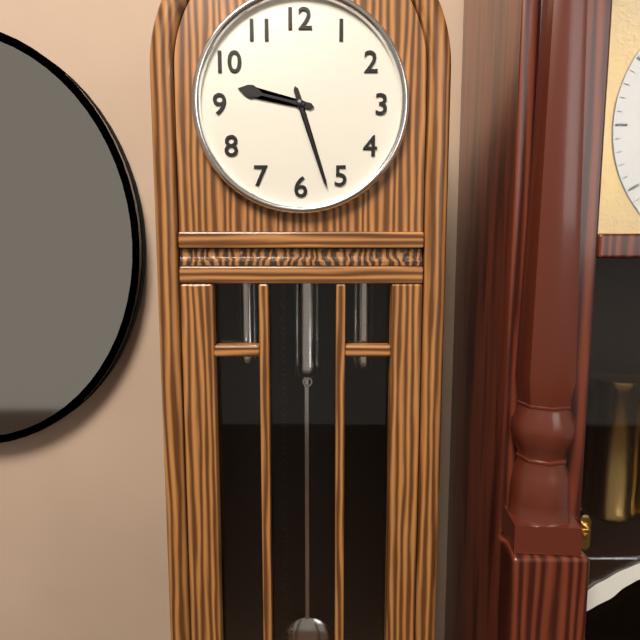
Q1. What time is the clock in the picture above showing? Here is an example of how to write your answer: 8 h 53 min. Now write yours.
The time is 9 h 27 min
